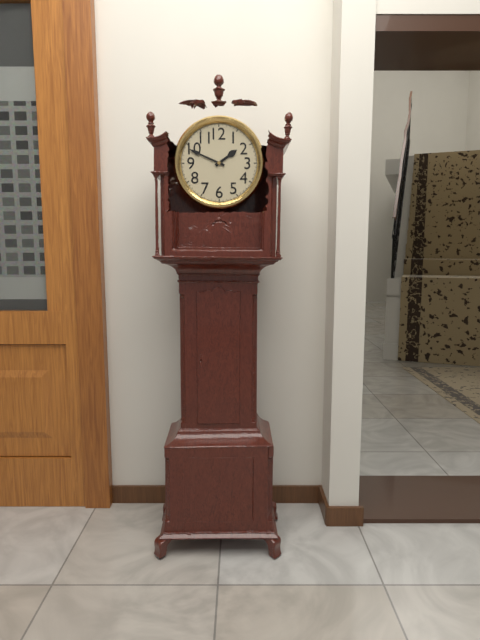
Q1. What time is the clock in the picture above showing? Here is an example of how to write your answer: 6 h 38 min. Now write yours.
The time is 1 h 49 min
